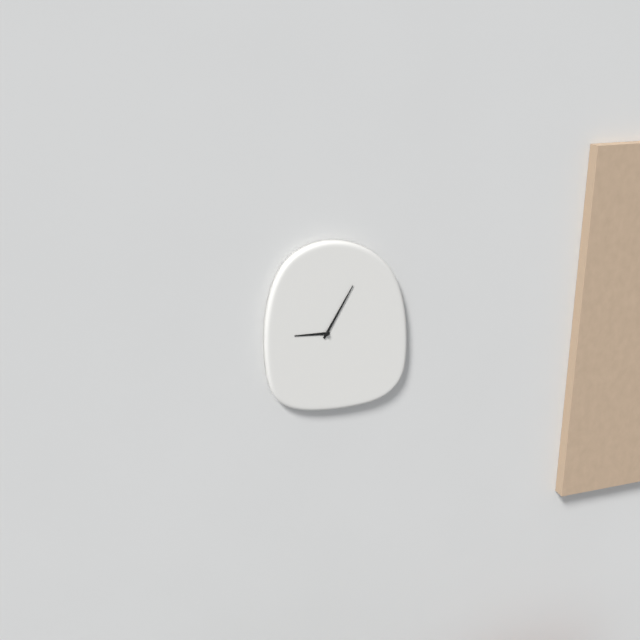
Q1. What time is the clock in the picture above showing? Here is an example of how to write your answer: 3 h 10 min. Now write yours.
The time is 9 h 05 min
